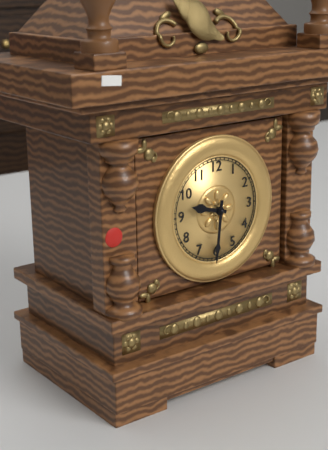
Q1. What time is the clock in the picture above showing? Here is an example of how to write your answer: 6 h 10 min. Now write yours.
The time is 9 h 31 min
